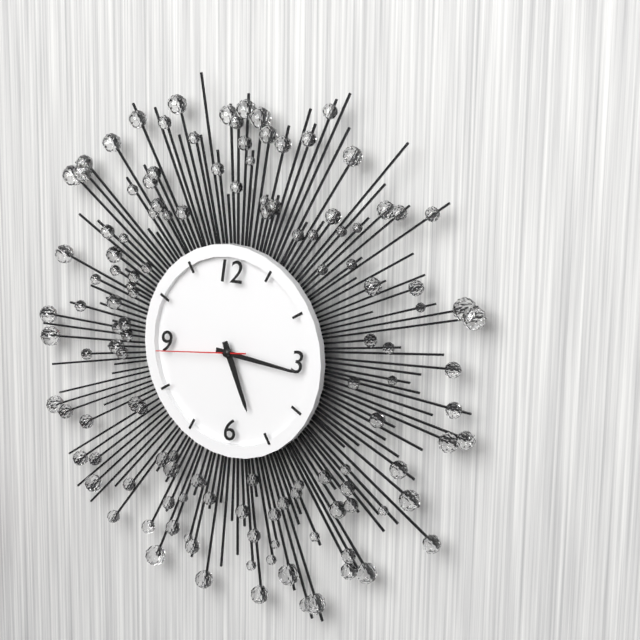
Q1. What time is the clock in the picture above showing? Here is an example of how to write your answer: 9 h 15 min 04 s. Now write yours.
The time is 5 h 16 min 44 s
